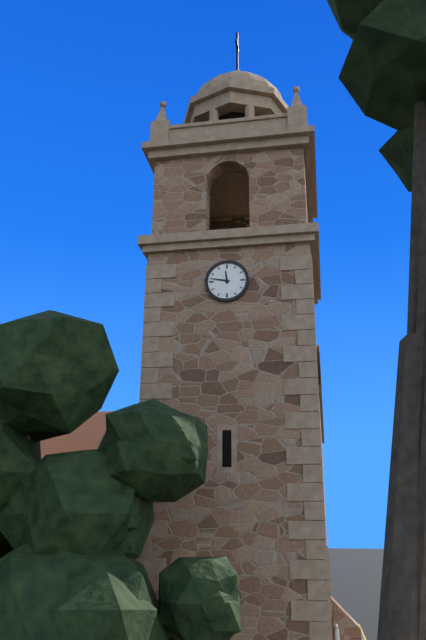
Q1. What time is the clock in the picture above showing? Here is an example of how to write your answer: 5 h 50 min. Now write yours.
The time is 11 h 47 min
